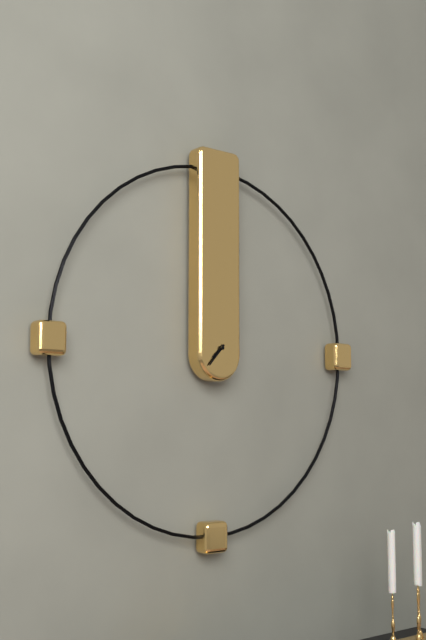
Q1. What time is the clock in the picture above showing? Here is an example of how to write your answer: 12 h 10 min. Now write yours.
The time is 7 h 37 min
